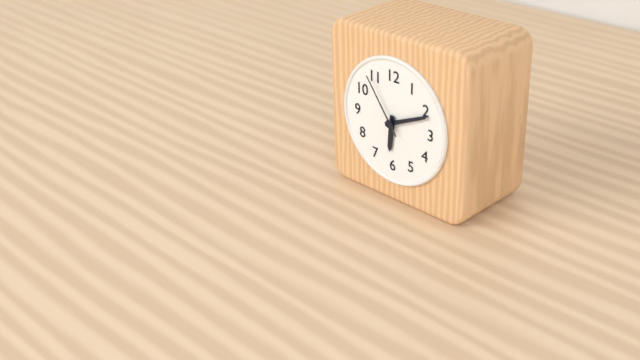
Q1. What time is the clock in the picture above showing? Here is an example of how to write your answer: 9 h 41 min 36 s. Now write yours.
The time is 6 h 11 min 54 s
